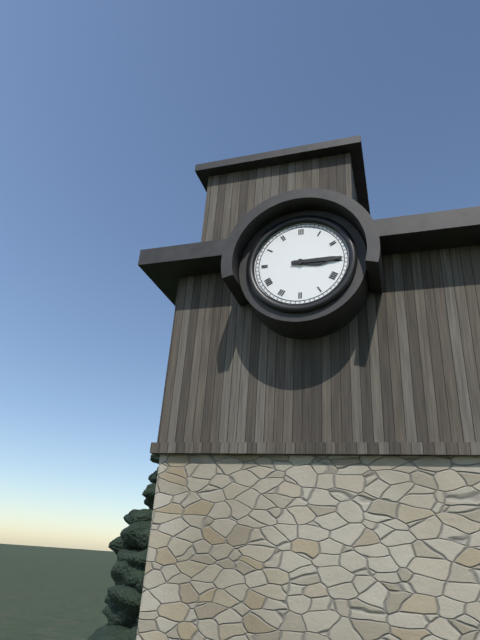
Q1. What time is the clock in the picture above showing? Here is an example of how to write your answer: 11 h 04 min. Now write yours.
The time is 3 h 15 min
